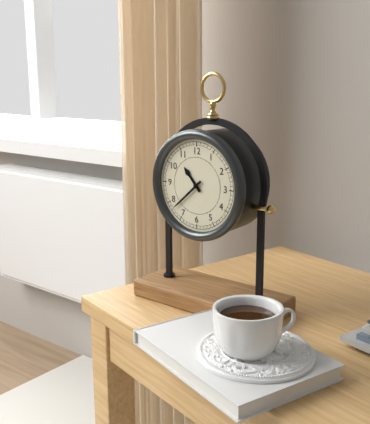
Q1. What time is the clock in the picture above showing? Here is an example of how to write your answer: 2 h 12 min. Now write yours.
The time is 10 h 38 min
